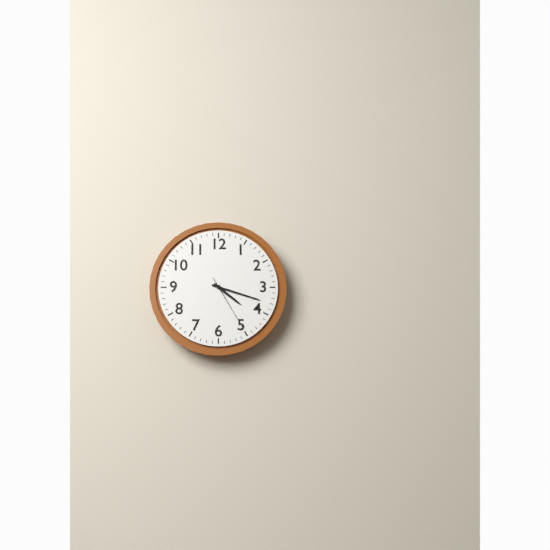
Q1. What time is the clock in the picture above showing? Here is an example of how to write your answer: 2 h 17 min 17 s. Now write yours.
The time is 4 h 18 min 25 s
